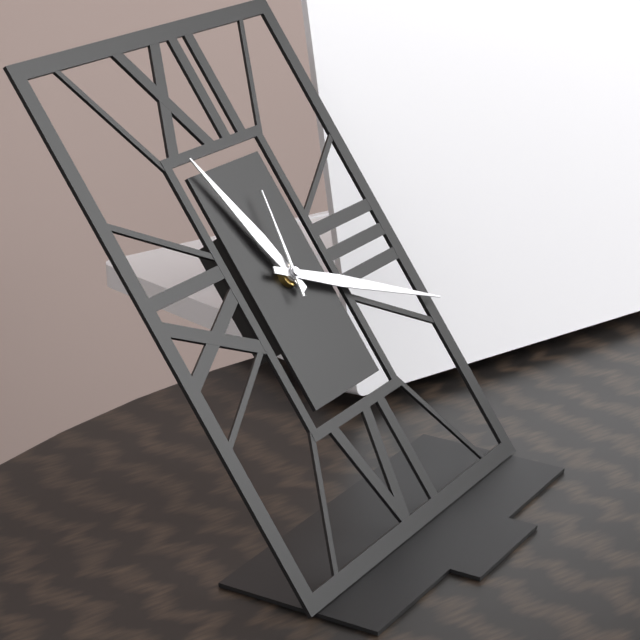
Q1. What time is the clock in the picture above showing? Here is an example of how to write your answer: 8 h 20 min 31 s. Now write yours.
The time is 11 h 19 min 02 s
